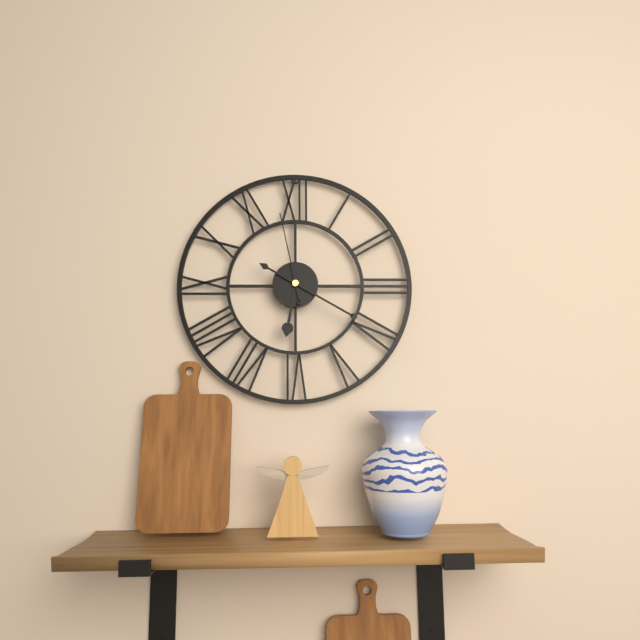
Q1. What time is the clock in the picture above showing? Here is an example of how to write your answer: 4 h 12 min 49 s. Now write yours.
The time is 6 h 20 min 58 s
